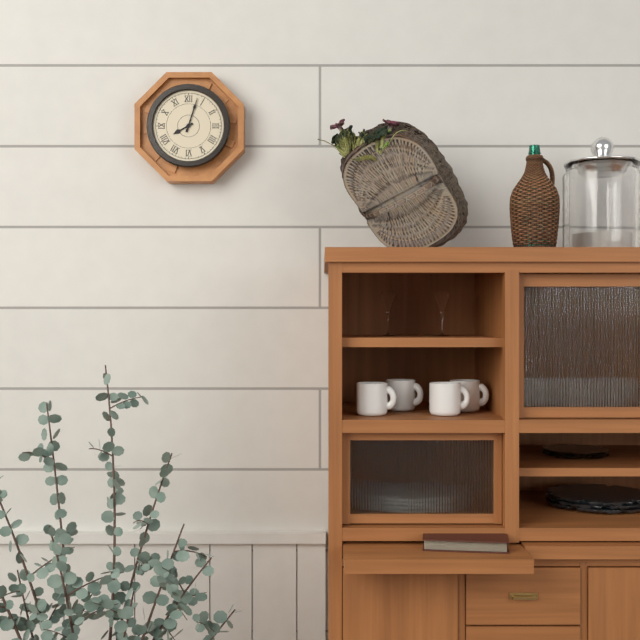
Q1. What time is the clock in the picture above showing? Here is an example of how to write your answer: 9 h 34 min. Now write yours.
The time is 8 h 03 min
